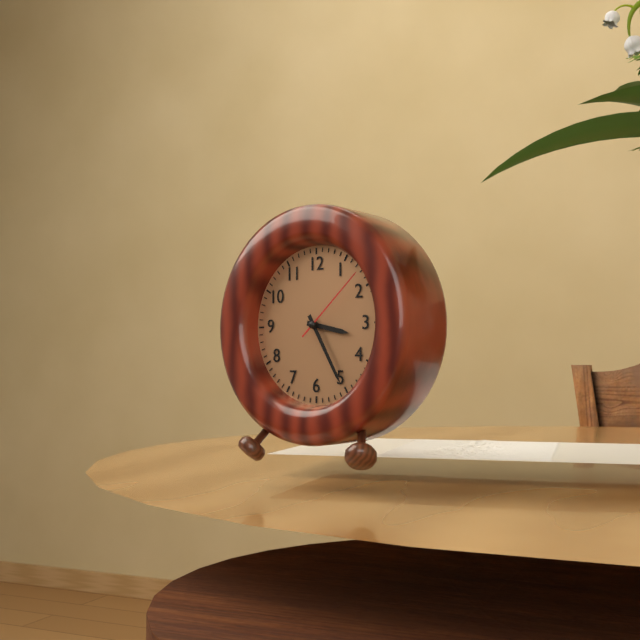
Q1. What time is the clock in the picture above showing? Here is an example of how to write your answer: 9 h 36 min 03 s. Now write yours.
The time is 3 h 25 min 08 s
